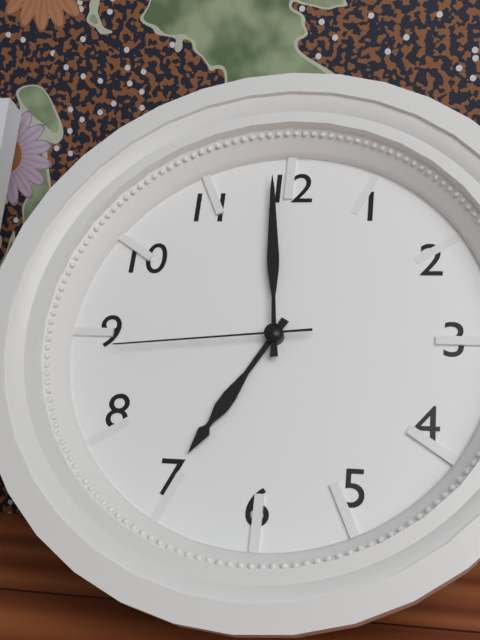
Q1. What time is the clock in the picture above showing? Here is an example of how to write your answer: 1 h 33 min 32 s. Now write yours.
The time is 6 h 59 min 44 s
